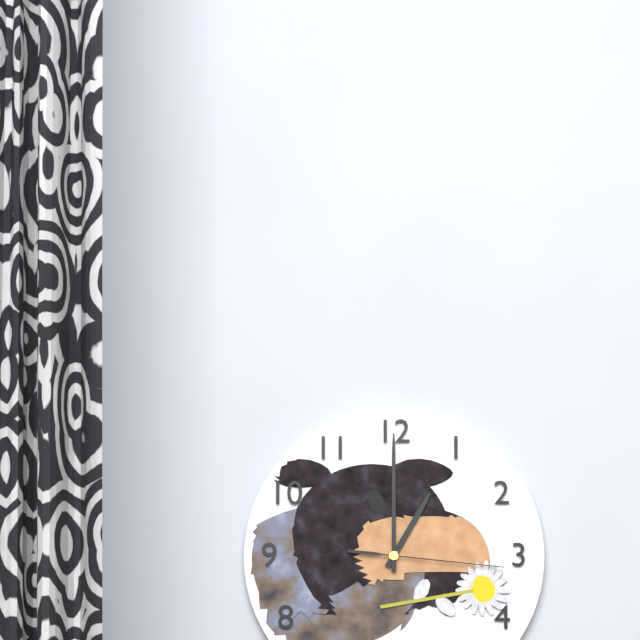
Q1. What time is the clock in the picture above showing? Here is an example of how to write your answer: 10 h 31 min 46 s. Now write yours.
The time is 1 h 00 min 16 s
